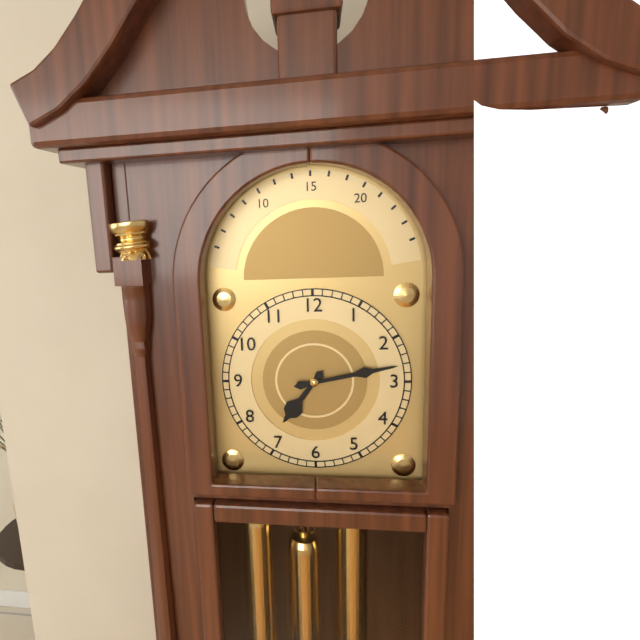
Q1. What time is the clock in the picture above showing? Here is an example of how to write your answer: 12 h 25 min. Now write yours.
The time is 7 h 13 min
